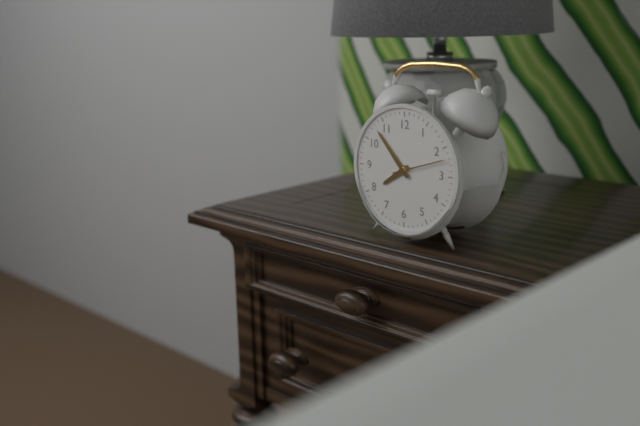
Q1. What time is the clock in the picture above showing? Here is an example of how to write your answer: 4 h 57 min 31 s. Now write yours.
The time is 7 h 53 min 12 s
